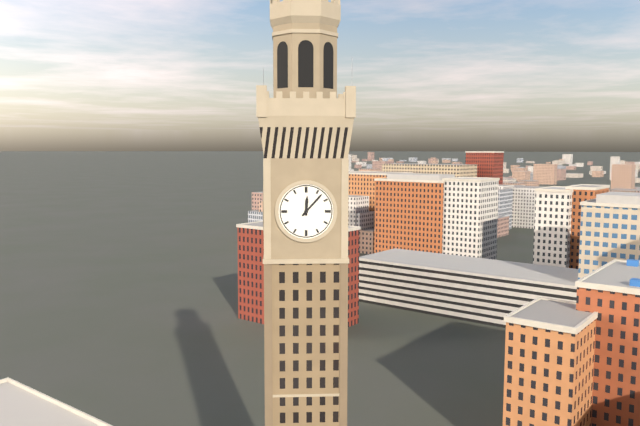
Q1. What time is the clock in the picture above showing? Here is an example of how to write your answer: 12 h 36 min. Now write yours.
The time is 12 h 07 min
